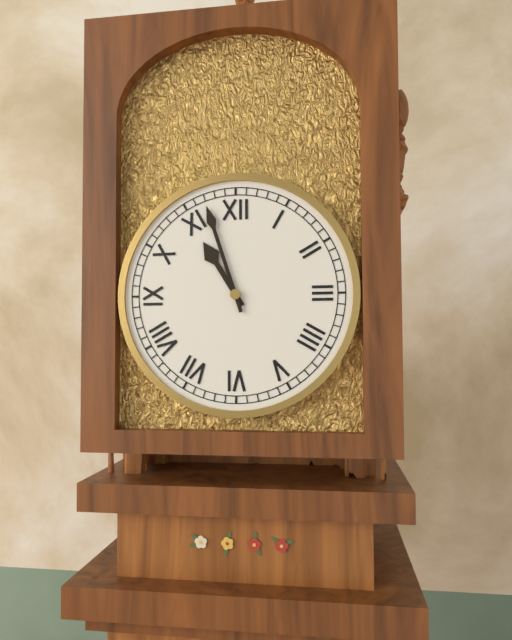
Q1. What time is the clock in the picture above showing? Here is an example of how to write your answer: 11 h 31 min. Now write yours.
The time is 10 h 57 min
